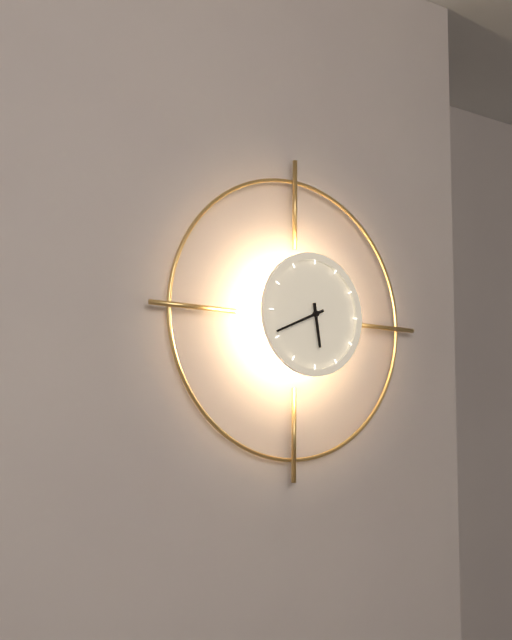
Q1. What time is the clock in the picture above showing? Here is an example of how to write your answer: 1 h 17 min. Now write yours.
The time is 5 h 41 min
